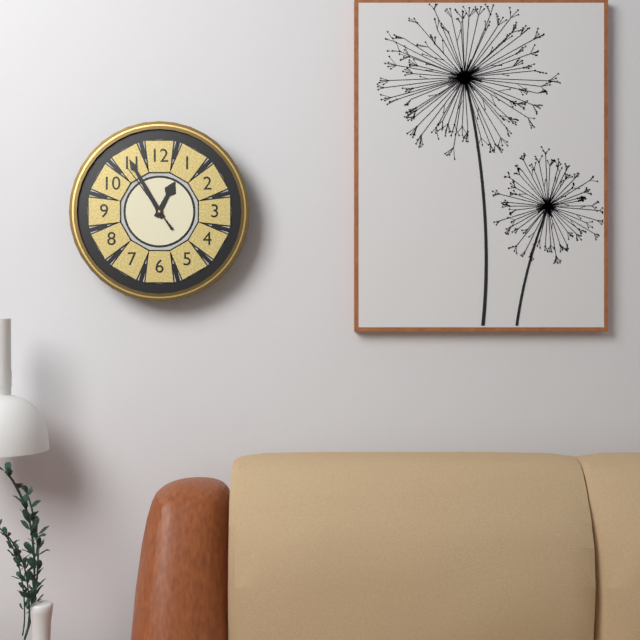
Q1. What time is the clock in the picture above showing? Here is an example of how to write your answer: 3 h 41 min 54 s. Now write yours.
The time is 12 h 55 min 54 s
